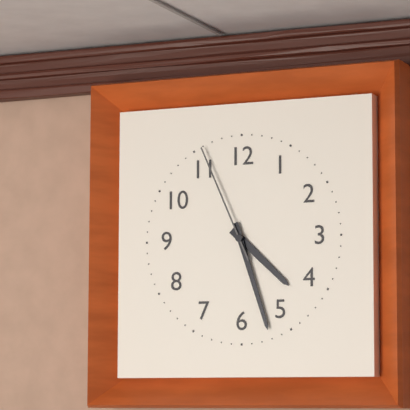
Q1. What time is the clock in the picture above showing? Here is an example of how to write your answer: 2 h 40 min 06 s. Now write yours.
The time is 4 h 27 min 56 s
